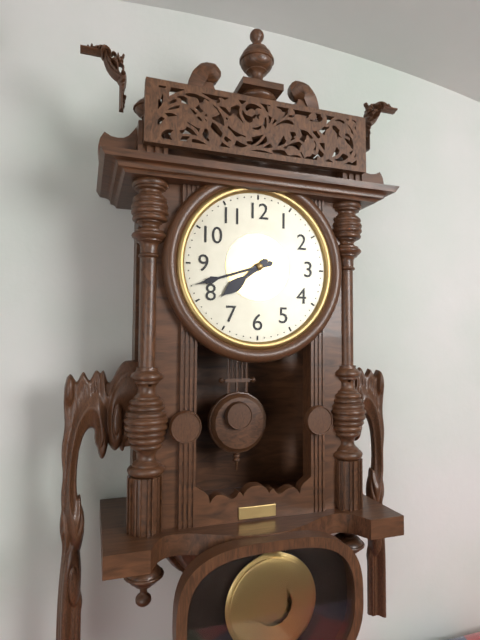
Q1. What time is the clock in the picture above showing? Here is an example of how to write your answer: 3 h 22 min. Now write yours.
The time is 7 h 42 min
